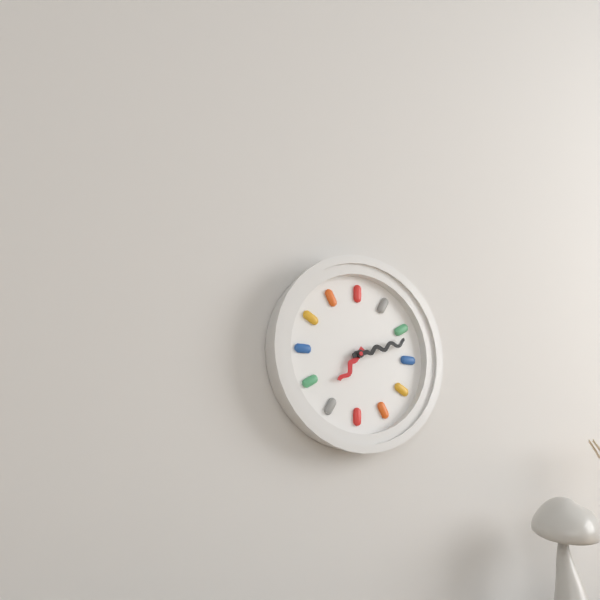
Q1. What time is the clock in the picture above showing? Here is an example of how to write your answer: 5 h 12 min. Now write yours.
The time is 7 h 12 min
